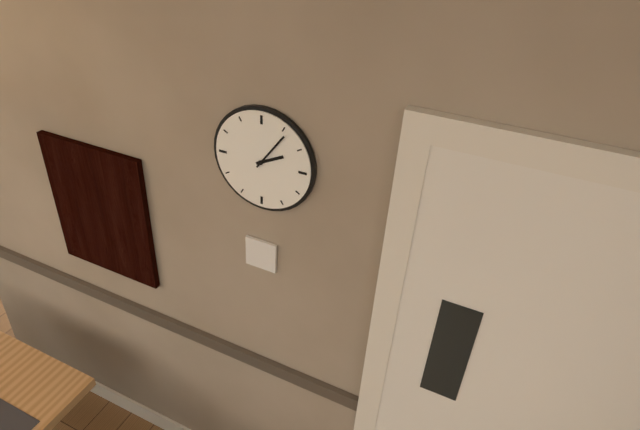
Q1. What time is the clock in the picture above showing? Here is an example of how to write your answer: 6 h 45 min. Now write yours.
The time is 2 h 06 min
